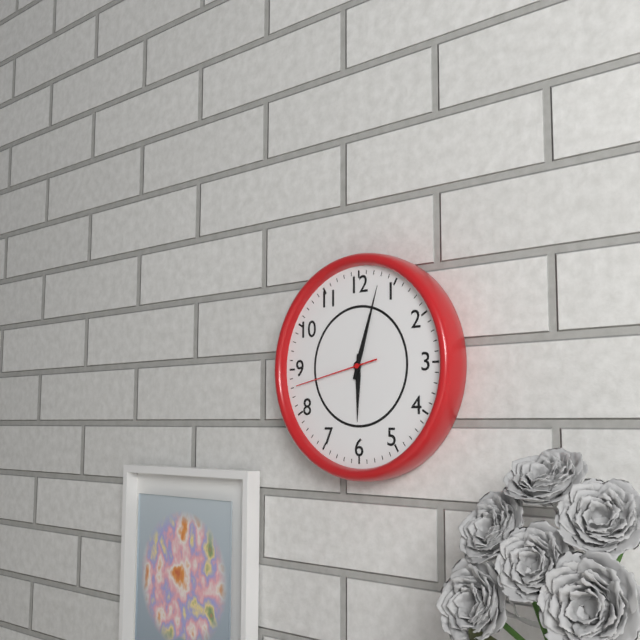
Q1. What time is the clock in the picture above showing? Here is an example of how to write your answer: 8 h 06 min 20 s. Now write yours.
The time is 6 h 03 min 43 s
